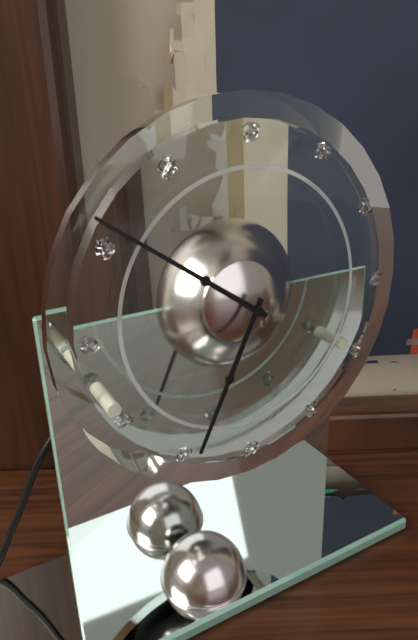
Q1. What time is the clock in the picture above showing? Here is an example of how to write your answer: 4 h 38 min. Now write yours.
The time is 6 h 51 min
